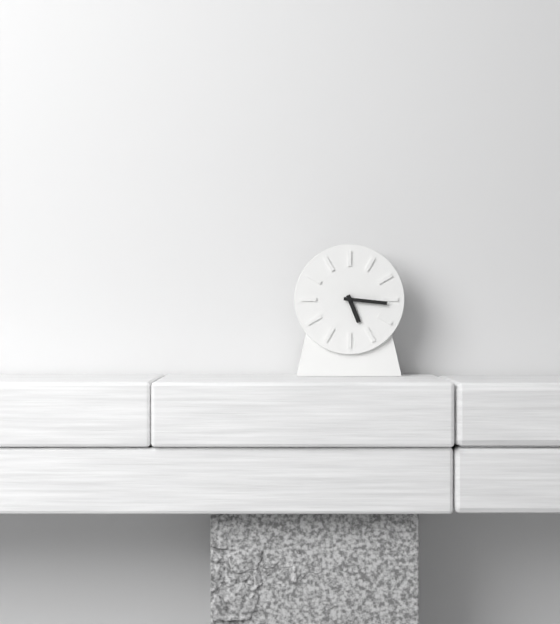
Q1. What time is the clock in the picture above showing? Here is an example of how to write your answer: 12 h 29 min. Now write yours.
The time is 5 h 16 min
